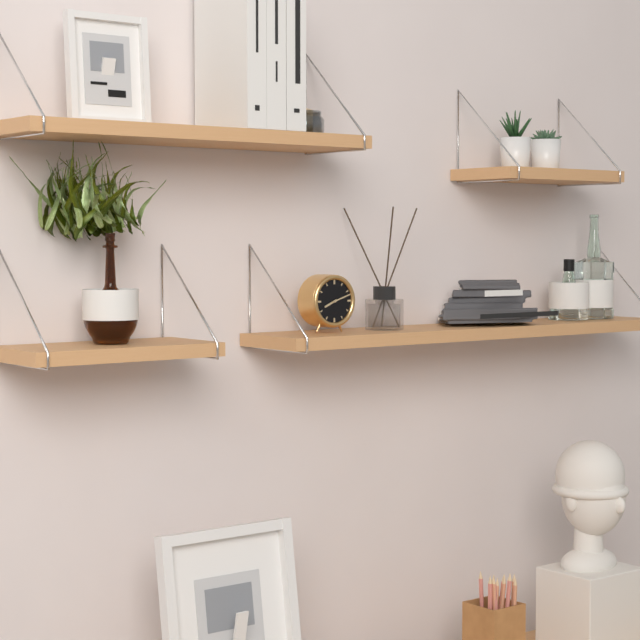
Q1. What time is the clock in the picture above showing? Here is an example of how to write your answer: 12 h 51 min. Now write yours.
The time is 8 h 12 min
